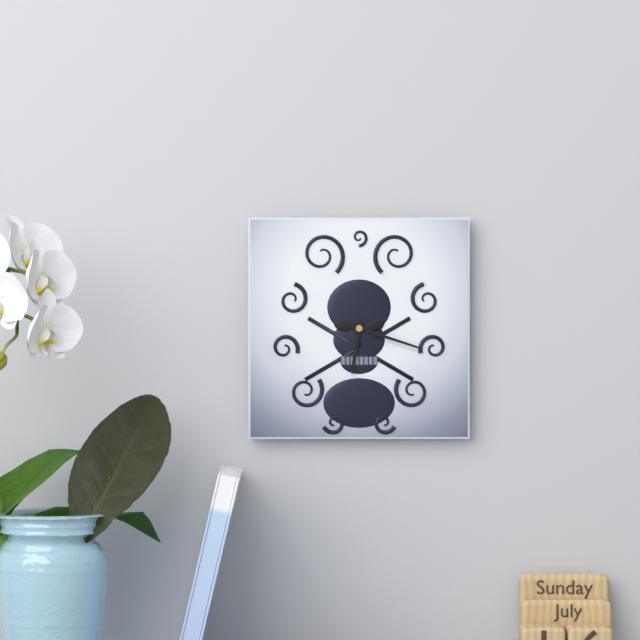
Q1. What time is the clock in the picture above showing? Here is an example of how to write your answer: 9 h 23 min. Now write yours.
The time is 6 h 18 min
